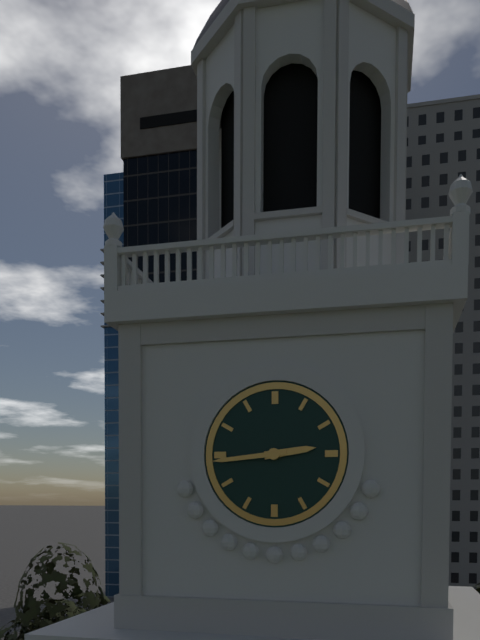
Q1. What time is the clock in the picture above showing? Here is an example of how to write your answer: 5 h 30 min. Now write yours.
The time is 2 h 44 min
